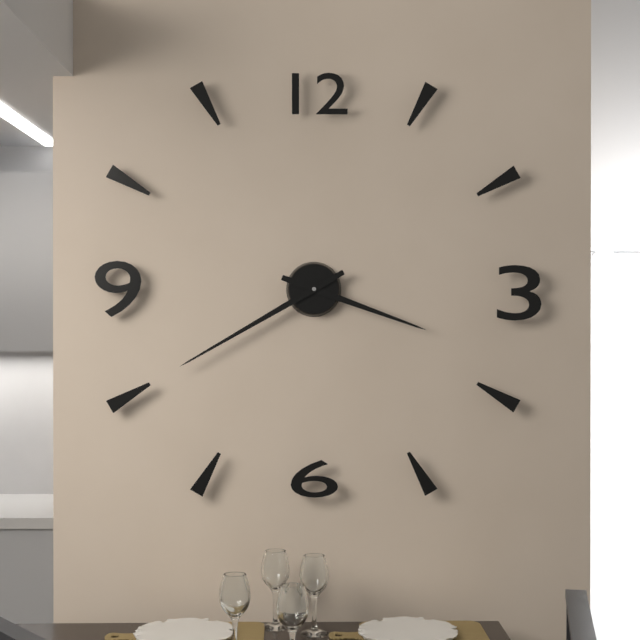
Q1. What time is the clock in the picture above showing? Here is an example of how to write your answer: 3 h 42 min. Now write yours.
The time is 3 h 40 min
